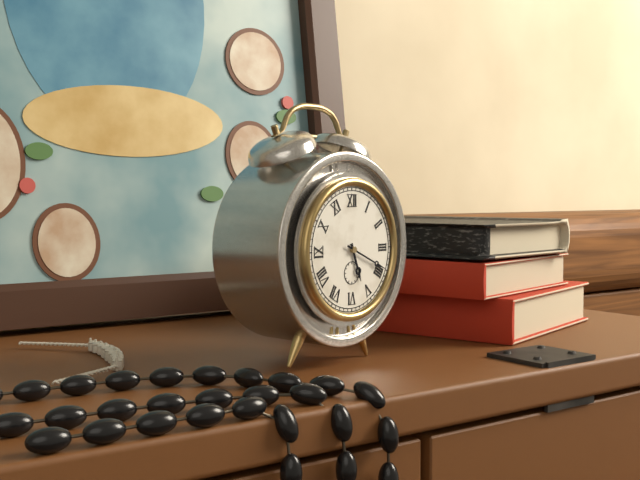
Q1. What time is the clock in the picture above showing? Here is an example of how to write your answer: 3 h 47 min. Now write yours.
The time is 5 h 19 min
